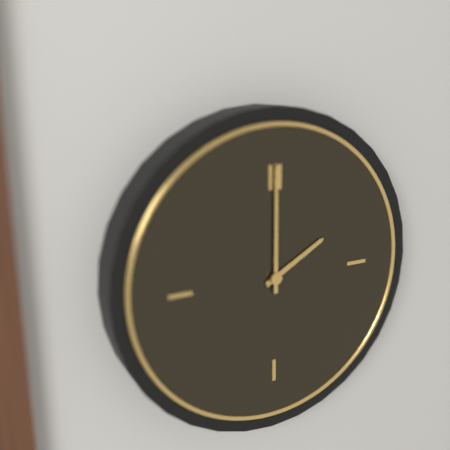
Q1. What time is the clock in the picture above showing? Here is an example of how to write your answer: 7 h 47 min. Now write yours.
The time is 2 h 00 min
